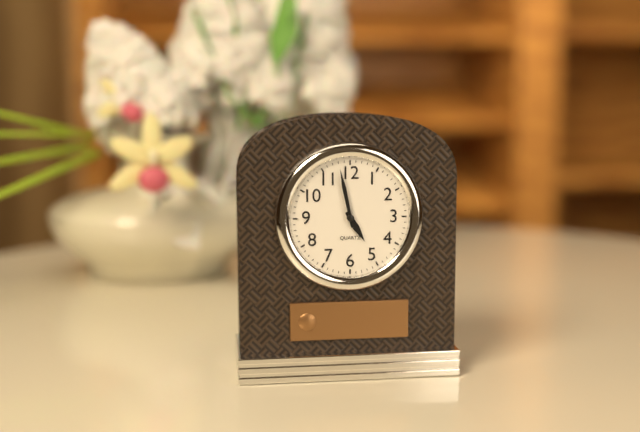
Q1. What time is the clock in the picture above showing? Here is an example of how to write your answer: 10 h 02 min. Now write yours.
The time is 4 h 58 min
